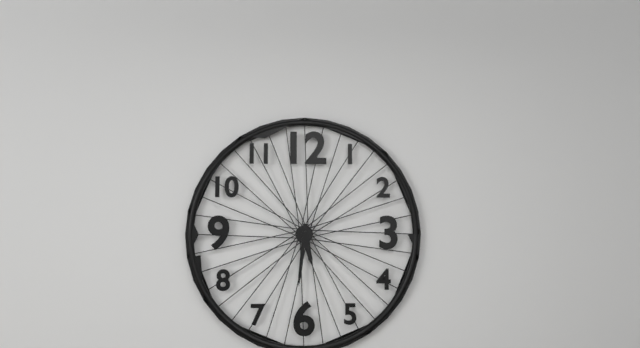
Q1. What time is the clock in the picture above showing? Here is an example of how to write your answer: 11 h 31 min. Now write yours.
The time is 5 h 31 min
